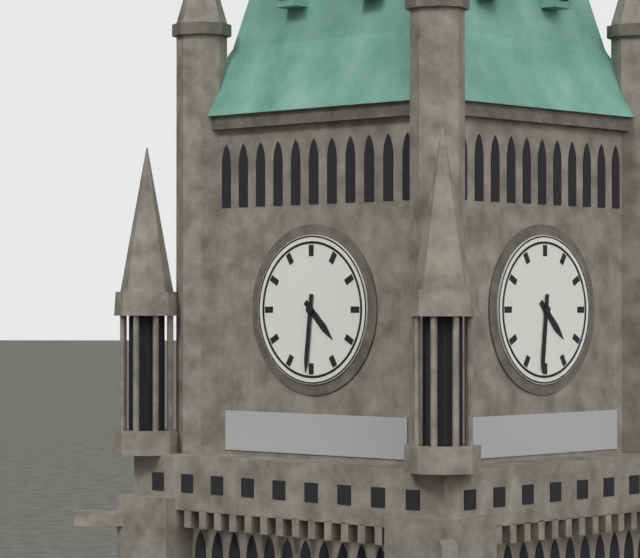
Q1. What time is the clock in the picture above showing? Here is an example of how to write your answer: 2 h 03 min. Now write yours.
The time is 4 h 31 min
